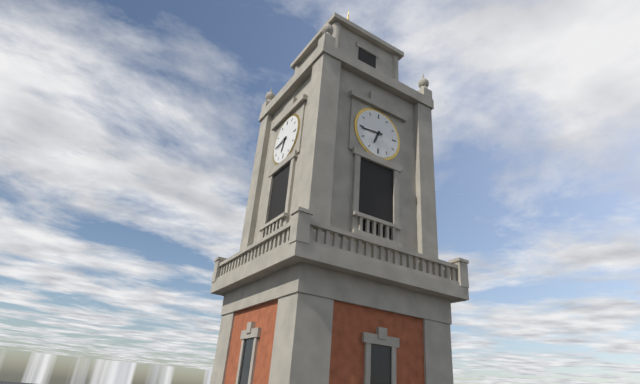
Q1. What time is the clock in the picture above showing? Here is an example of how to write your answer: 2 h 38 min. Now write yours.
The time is 6 h 44 min
